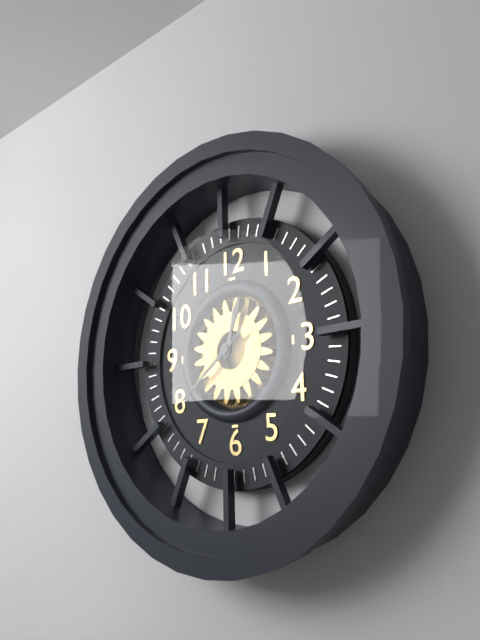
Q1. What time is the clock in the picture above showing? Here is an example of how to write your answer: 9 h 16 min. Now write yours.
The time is 12 h 39 min
